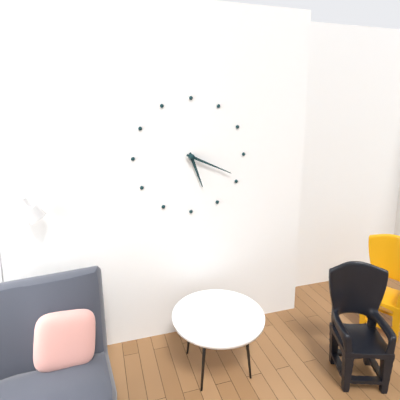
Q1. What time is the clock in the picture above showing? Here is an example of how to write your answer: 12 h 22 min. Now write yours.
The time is 5 h 19 min
